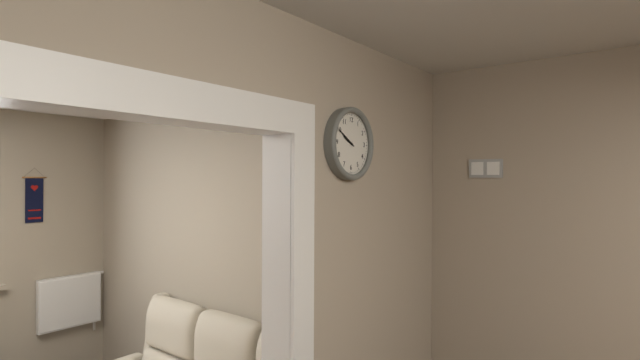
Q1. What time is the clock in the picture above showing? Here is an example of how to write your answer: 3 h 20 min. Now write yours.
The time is 9 h 50 min
